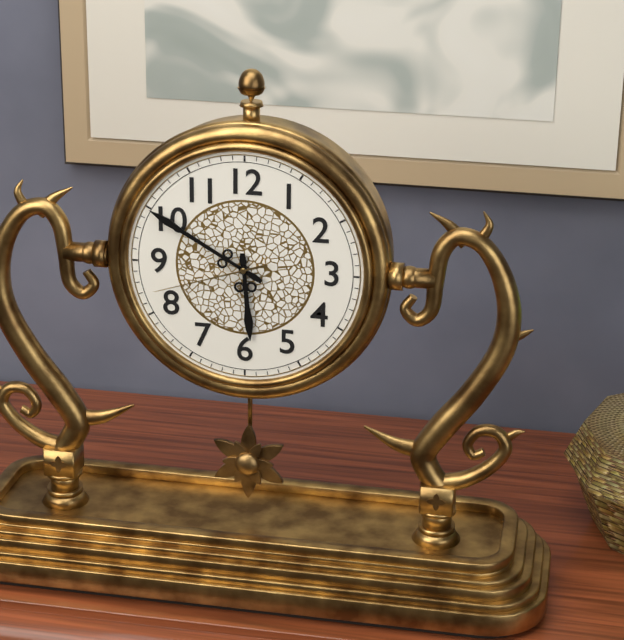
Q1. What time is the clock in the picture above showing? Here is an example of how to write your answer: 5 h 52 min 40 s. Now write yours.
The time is 5 h 50 min 42 s
